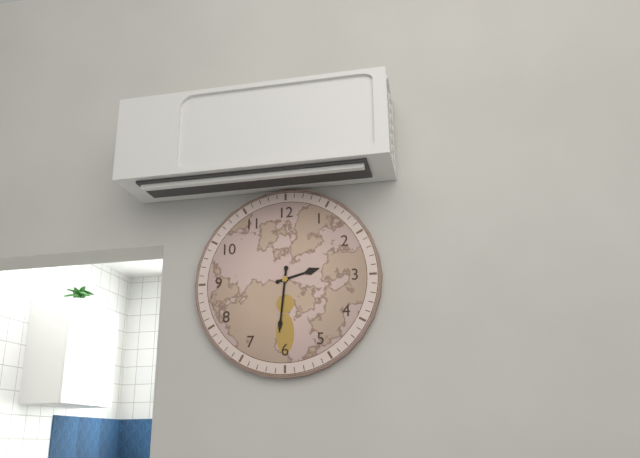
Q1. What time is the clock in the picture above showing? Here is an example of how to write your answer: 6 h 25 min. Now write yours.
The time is 2 h 31 min
